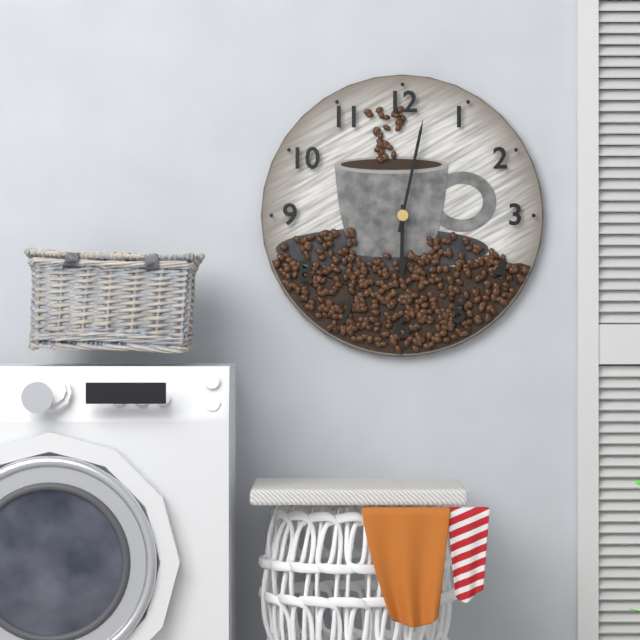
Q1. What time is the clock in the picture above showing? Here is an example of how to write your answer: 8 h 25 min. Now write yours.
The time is 6 h 02 min
